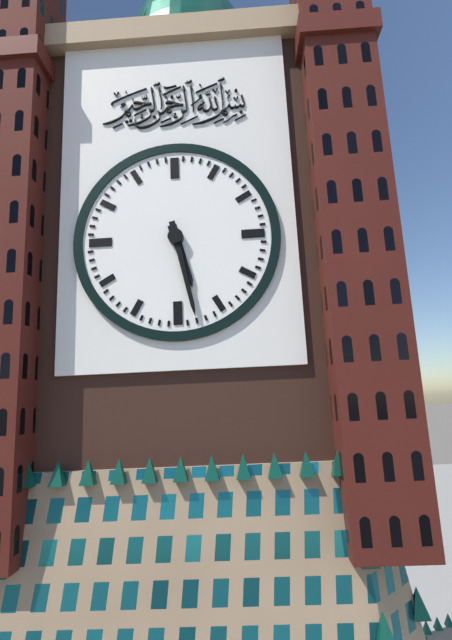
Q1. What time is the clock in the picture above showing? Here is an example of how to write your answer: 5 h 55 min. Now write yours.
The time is 5 h 28 min
